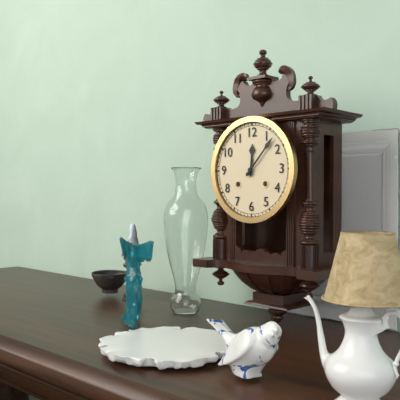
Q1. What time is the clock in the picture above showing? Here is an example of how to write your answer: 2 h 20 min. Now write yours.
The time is 12 h 07 min
